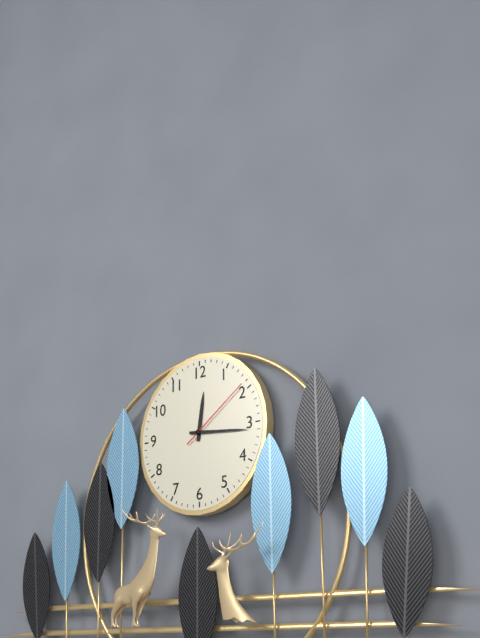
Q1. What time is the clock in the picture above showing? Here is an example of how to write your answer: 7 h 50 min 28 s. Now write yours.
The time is 12 h 16 min 09 s
